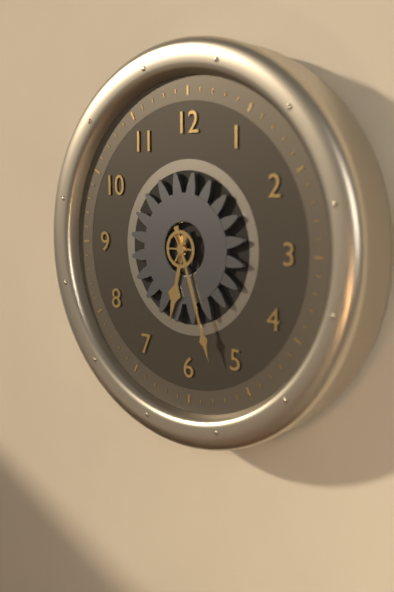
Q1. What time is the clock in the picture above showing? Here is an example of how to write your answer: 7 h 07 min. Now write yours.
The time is 6 h 27 min
